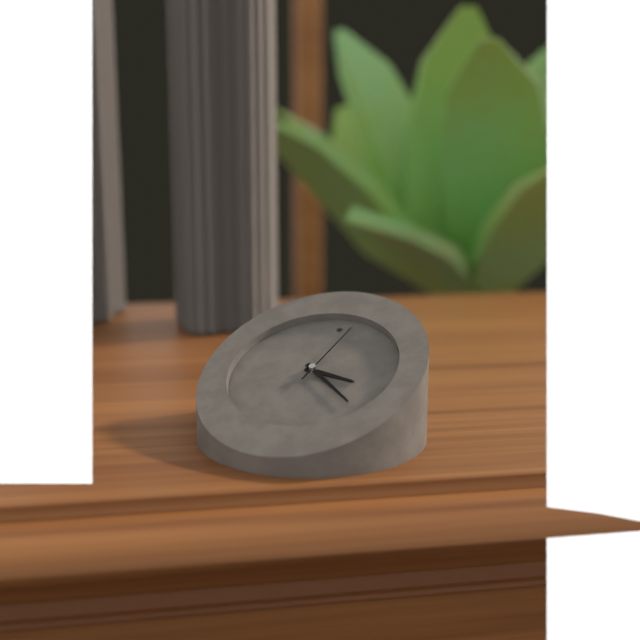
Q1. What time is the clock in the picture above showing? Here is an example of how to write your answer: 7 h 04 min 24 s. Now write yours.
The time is 3 h 21 min 02 s
